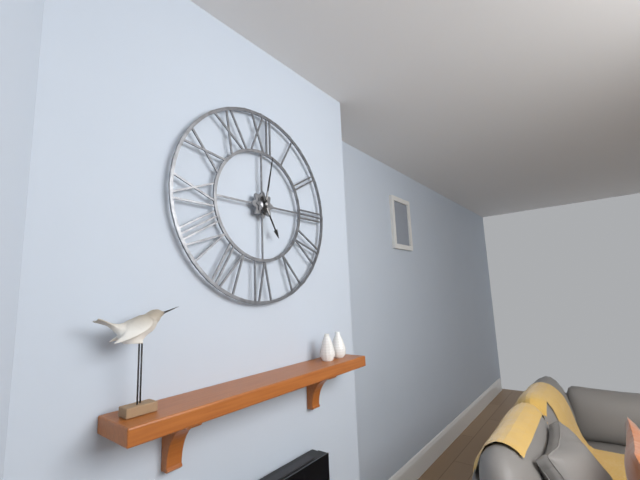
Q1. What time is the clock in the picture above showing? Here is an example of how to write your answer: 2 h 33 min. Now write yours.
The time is 5 h 02 min
